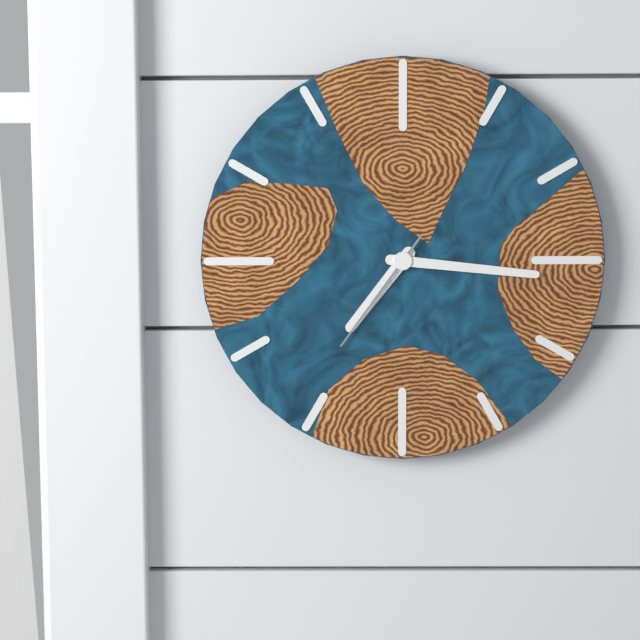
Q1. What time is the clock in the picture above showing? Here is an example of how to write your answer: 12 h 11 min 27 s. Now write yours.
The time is 7 h 16 min 36 s
